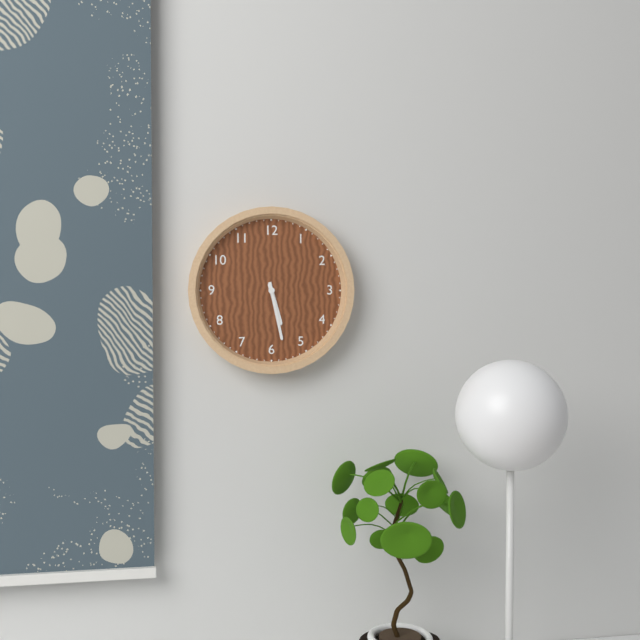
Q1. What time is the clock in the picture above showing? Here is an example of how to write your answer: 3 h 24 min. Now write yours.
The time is 5 h 28 min
